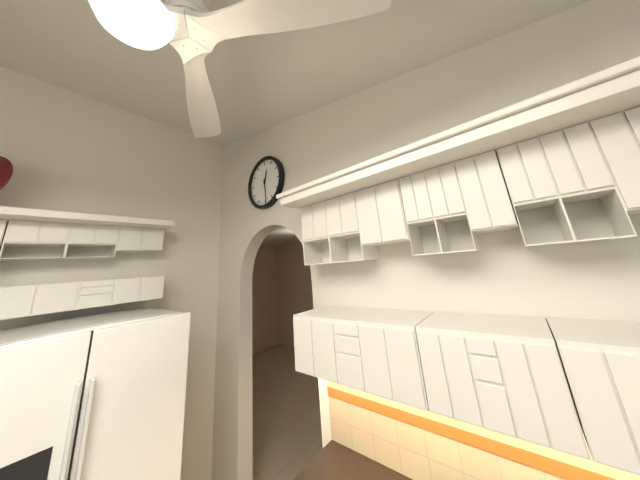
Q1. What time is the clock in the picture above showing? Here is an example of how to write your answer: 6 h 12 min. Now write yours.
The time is 12 h 29 min
